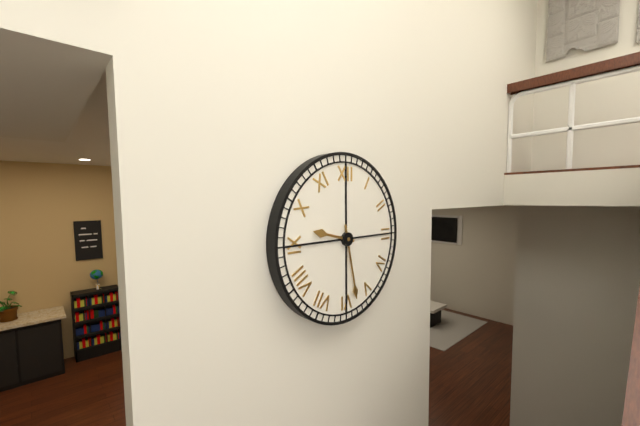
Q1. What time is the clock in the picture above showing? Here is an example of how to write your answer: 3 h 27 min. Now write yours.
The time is 9 h 28 min
